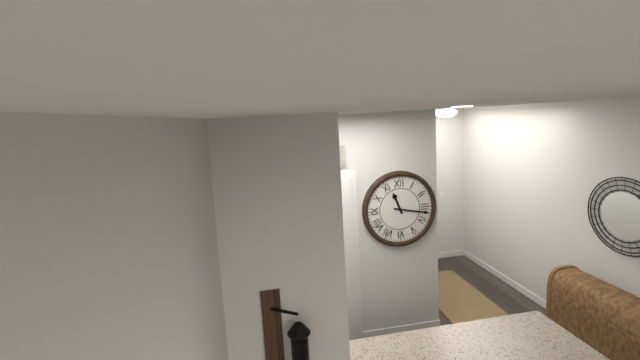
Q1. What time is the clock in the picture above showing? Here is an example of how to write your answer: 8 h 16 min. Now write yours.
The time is 11 h 17 min
